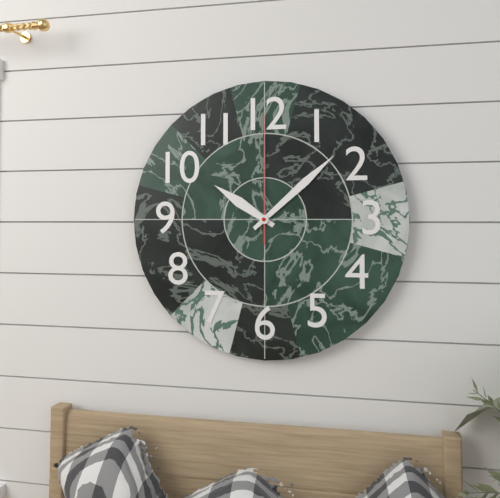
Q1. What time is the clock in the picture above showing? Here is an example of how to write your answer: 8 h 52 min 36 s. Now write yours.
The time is 10 h 08 min 00 s
